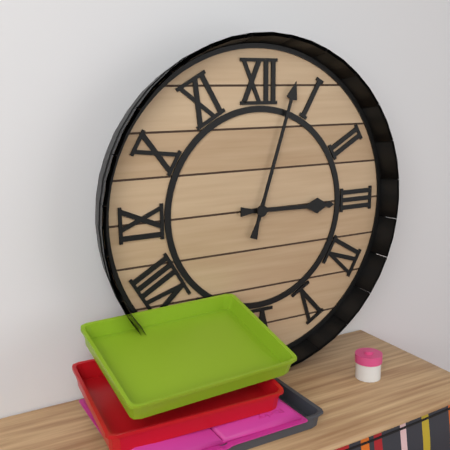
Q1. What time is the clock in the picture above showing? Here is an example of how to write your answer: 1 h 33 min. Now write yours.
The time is 3 h 03 min
